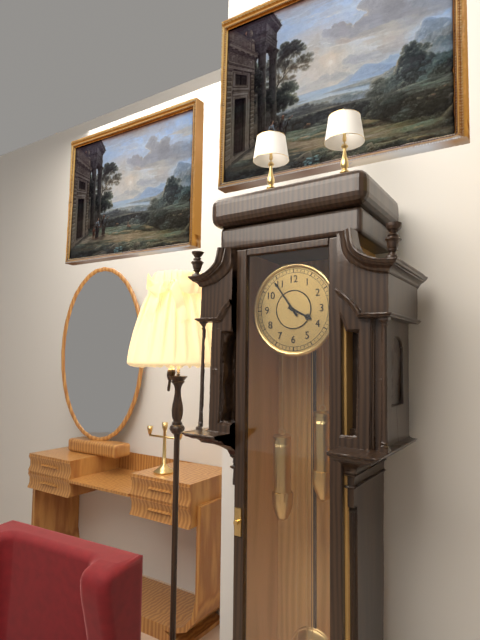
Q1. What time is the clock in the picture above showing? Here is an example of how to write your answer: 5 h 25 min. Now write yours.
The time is 3 h 54 min
